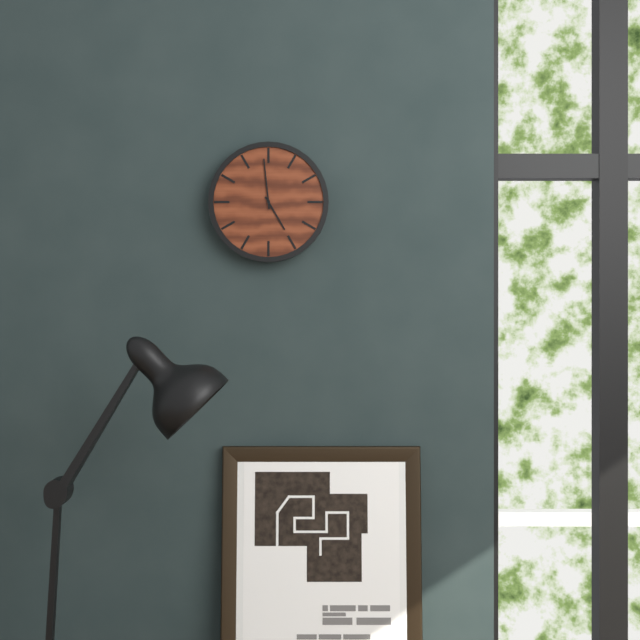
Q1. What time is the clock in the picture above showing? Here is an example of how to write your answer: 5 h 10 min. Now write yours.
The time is 4 h 59 min
